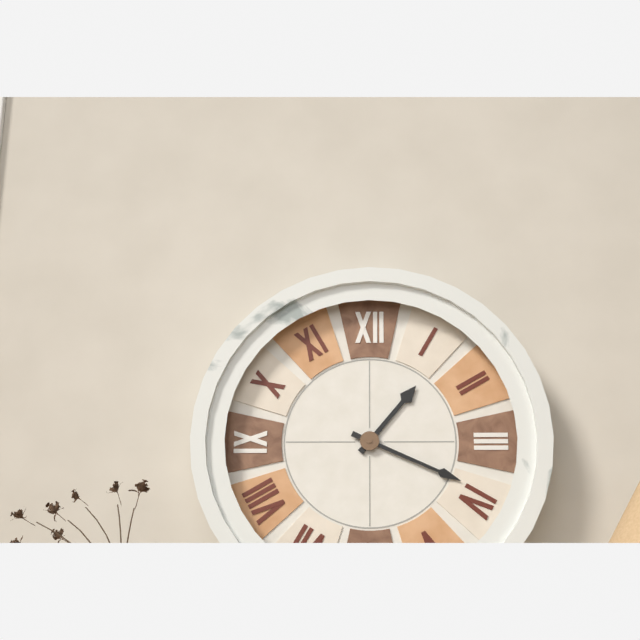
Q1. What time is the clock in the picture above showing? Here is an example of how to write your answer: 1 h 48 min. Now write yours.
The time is 1 h 19 min
